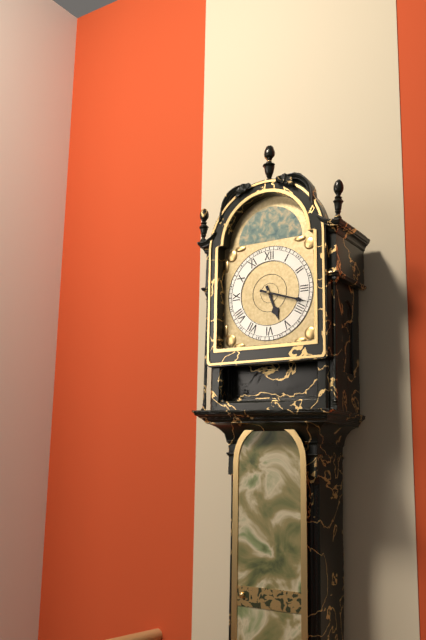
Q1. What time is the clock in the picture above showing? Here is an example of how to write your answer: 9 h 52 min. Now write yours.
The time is 5 h 18 min
